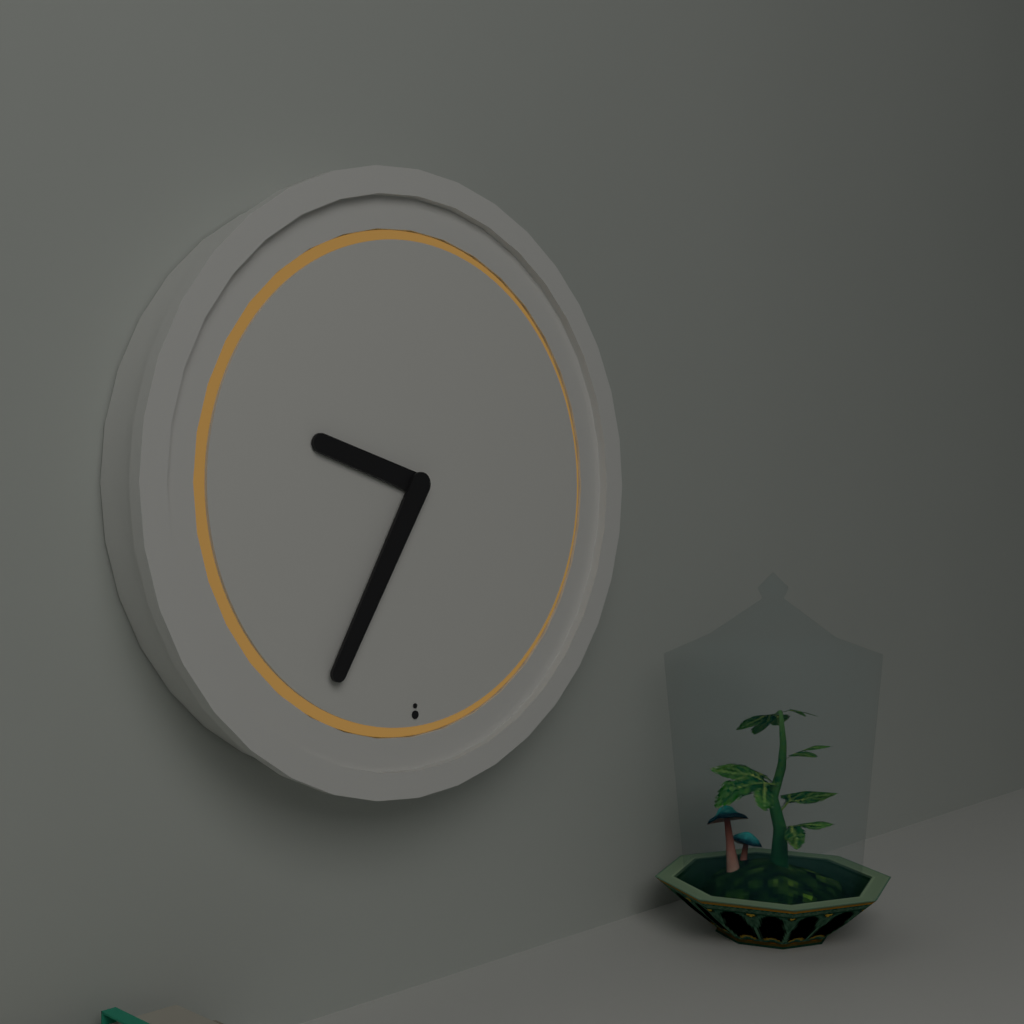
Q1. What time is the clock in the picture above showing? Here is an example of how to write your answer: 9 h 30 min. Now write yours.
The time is 9 h 35 min
